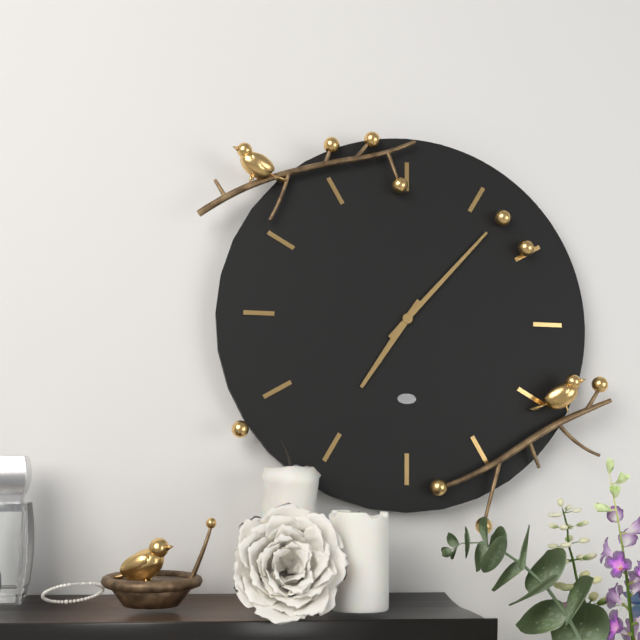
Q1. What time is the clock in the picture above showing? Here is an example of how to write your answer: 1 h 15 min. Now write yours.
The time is 7 h 07 min
